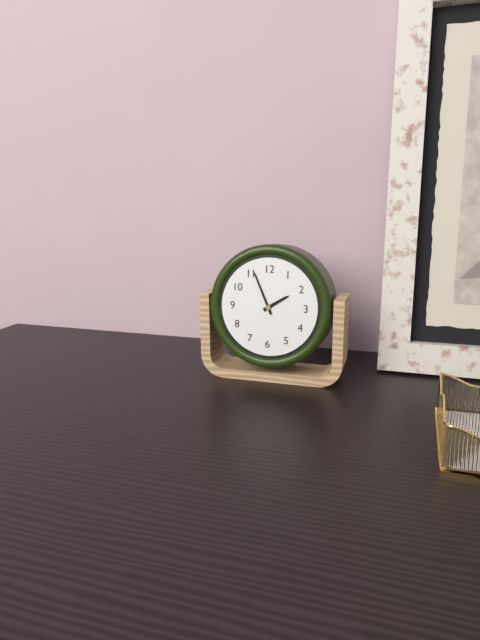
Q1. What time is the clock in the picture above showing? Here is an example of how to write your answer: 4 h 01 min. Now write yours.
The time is 1 h 56 min
